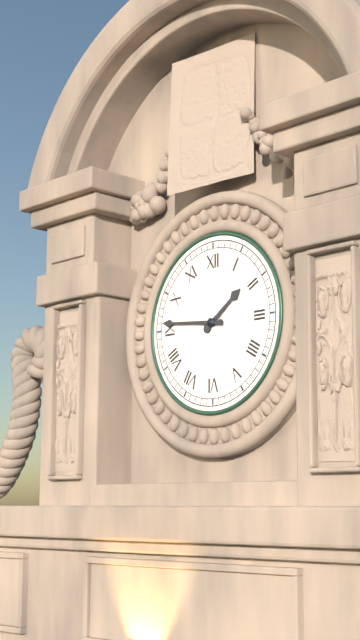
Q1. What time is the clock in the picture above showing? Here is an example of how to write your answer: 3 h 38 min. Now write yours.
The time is 1 h 46 min
